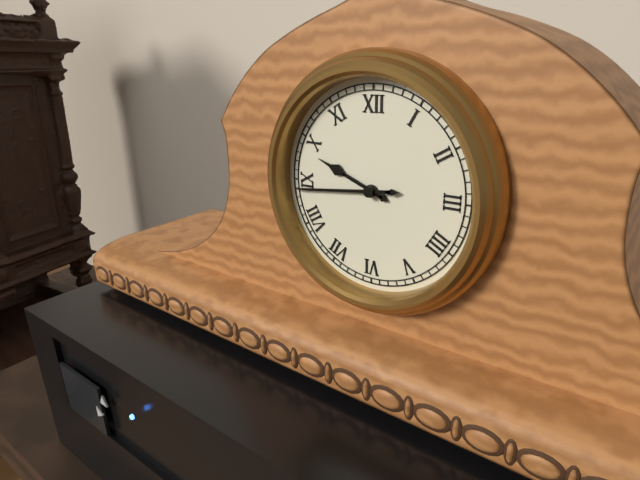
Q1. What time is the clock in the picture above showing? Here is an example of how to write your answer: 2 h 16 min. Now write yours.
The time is 9 h 44 min
